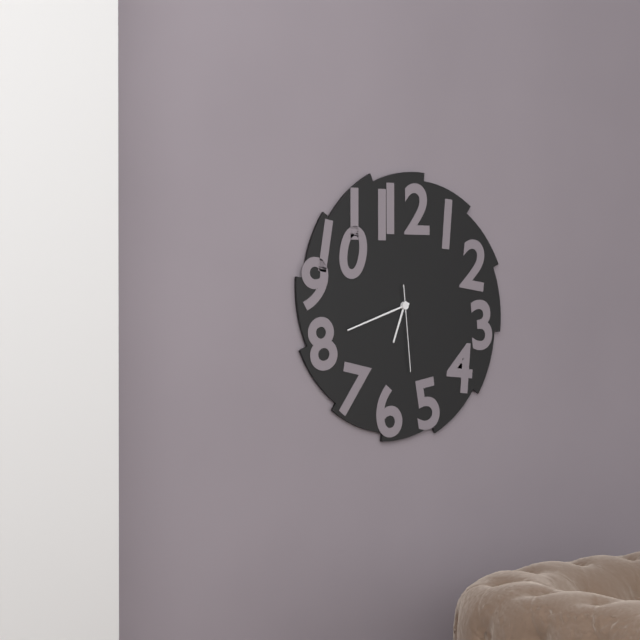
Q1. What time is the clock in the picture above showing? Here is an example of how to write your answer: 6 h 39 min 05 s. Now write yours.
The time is 6 h 42 min 29 s
